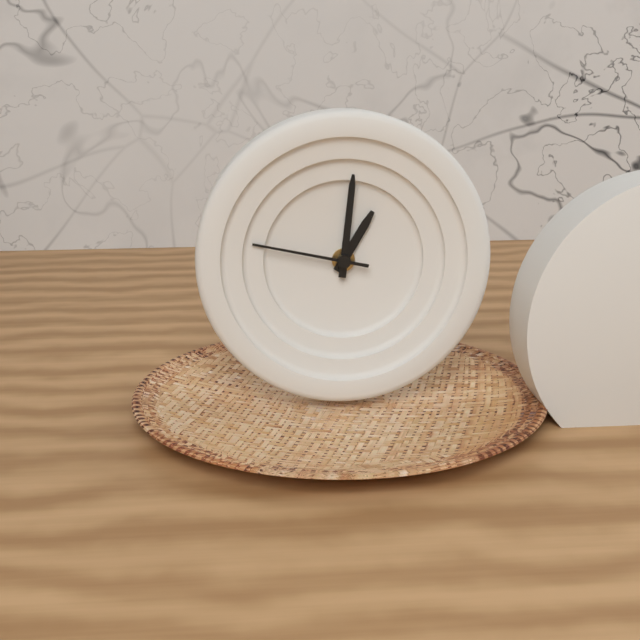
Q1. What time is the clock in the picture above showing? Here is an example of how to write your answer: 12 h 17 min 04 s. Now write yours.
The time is 1 h 01 min 47 s
